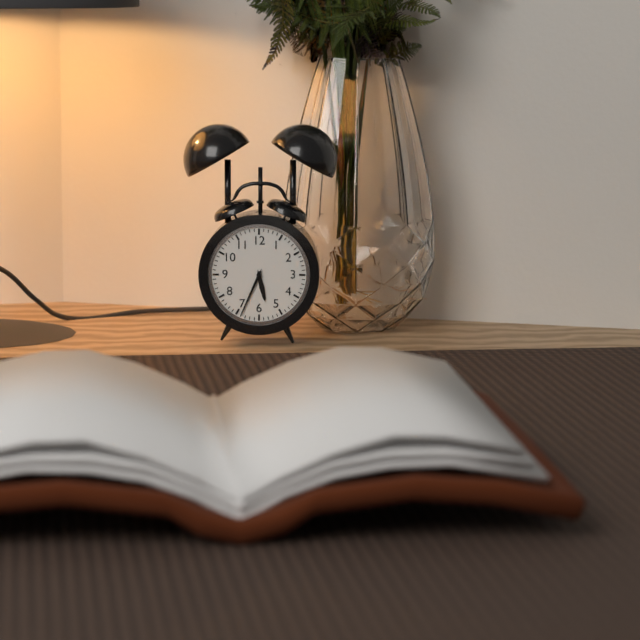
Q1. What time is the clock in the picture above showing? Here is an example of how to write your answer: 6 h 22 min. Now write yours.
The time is 5 h 34 min
